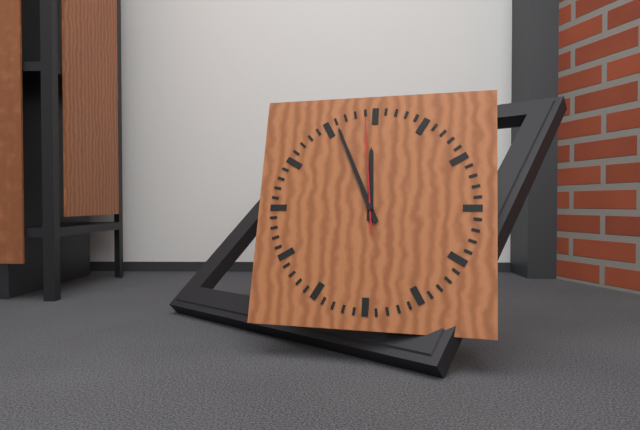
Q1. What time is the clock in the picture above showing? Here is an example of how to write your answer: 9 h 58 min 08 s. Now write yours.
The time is 11 h 56 min 59 s
